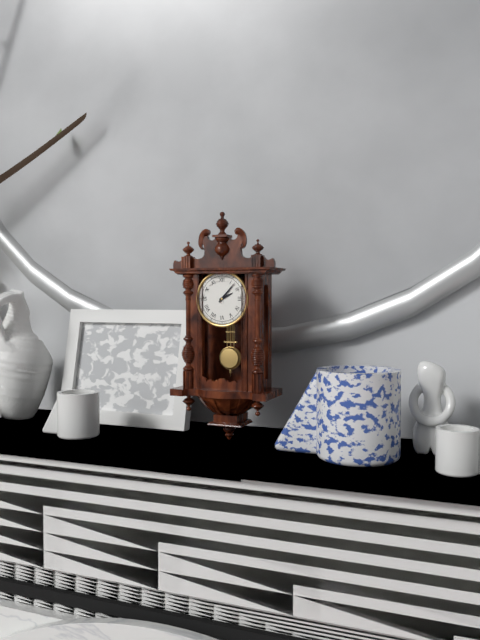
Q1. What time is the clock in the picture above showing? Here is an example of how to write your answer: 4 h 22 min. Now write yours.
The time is 2 h 07 min
